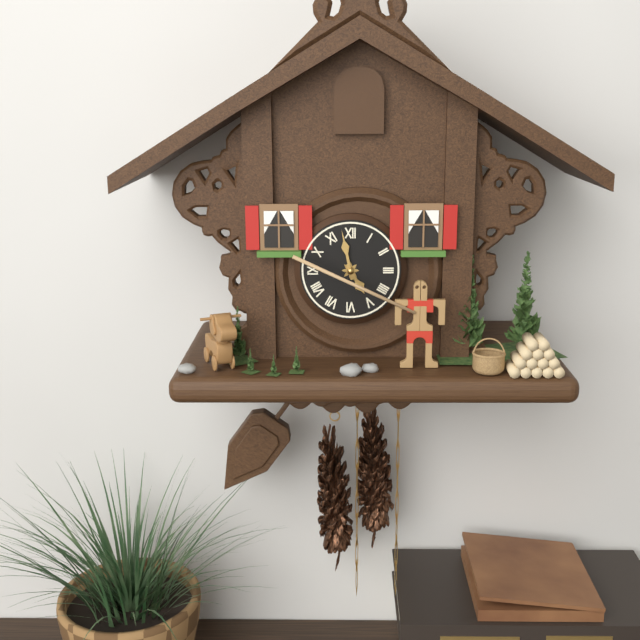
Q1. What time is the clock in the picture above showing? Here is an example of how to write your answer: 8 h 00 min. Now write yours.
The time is 4 h 58 min
